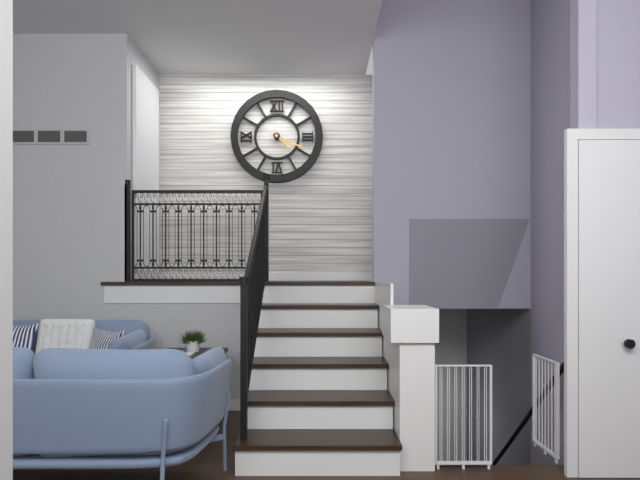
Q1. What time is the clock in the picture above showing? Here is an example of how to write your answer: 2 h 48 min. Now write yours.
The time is 4 h 19 min
